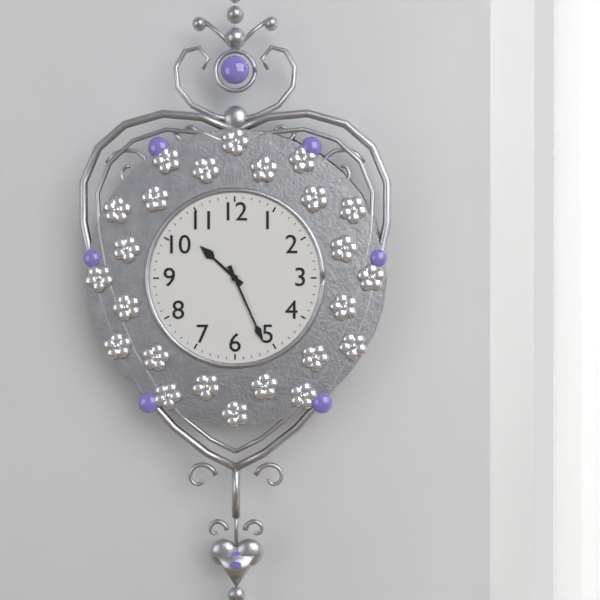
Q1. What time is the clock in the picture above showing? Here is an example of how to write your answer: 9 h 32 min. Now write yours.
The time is 10 h 26 min
